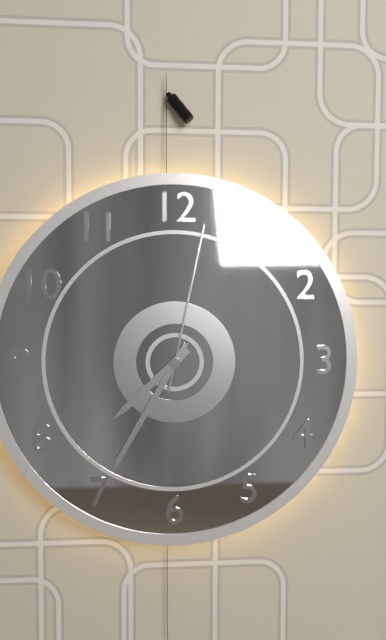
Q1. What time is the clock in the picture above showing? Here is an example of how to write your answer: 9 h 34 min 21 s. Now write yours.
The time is 7 h 35 min 02 s
